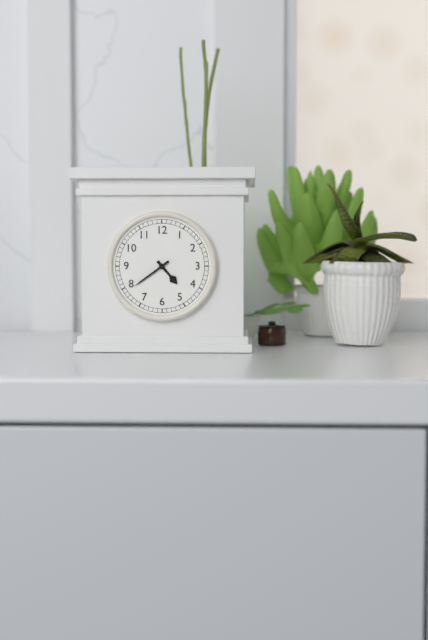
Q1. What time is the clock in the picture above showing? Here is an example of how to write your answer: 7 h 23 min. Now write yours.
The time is 4 h 39 min
